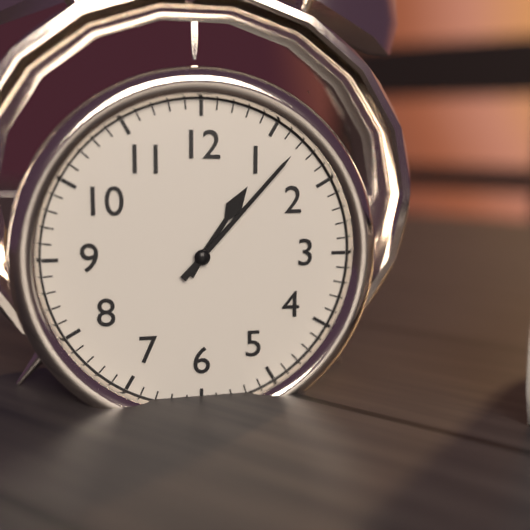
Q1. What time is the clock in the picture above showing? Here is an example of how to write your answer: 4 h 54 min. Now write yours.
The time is 1 h 07 min
